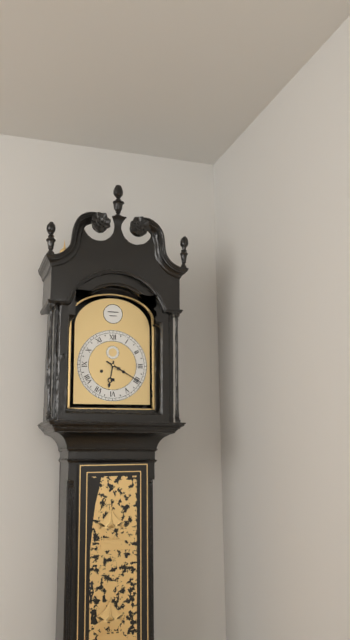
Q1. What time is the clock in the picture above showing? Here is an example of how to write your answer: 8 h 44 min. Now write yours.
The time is 6 h 20 min
